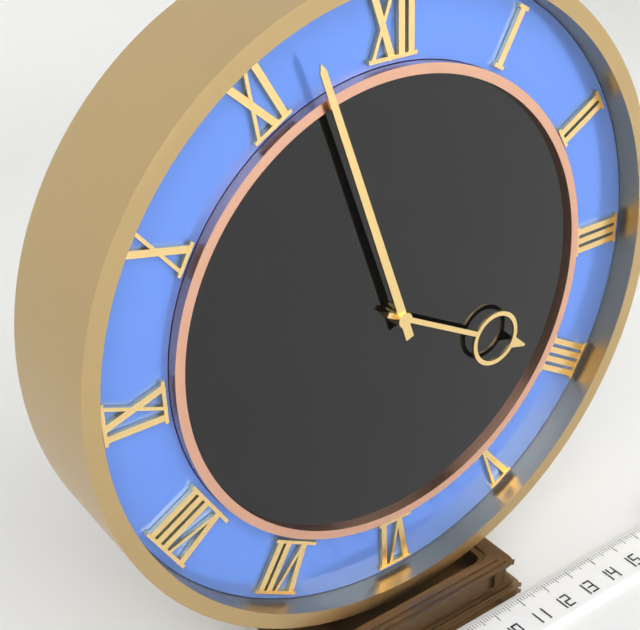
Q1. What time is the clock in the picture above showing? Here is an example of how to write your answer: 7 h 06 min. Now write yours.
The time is 3 h 57 min
